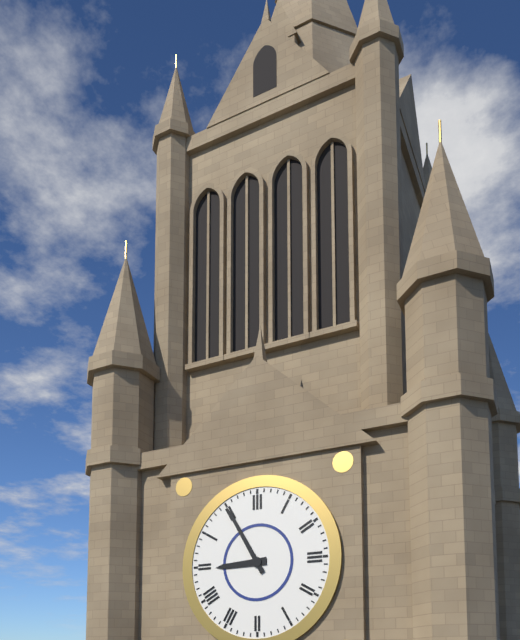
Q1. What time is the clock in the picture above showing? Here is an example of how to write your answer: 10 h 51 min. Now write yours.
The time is 8 h 55 min
